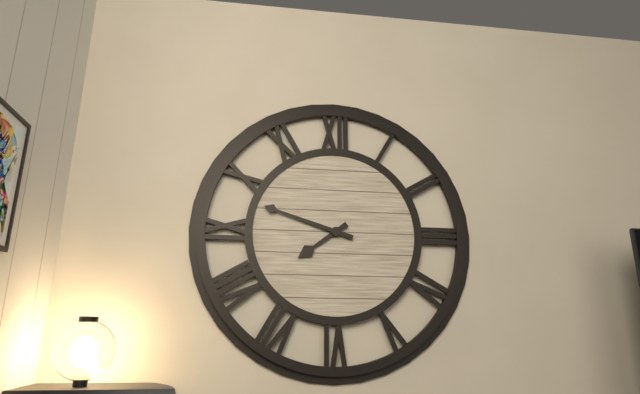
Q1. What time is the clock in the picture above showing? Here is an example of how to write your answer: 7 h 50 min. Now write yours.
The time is 7 h 48 min
